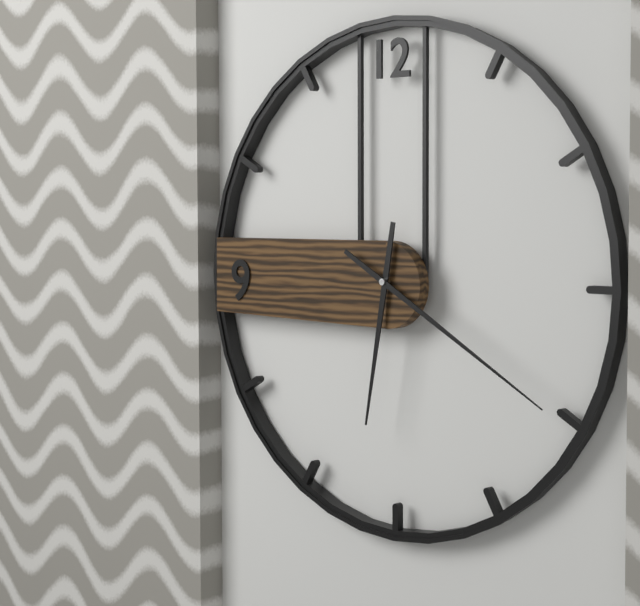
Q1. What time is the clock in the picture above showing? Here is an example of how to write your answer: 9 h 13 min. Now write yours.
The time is 6 h 20 min
